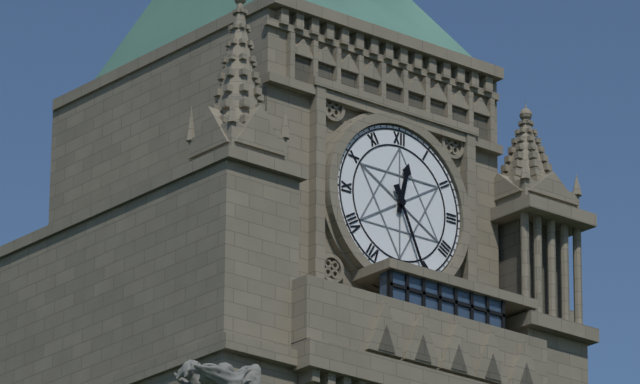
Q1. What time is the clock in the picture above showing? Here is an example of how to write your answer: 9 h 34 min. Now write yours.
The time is 12 h 26 min
